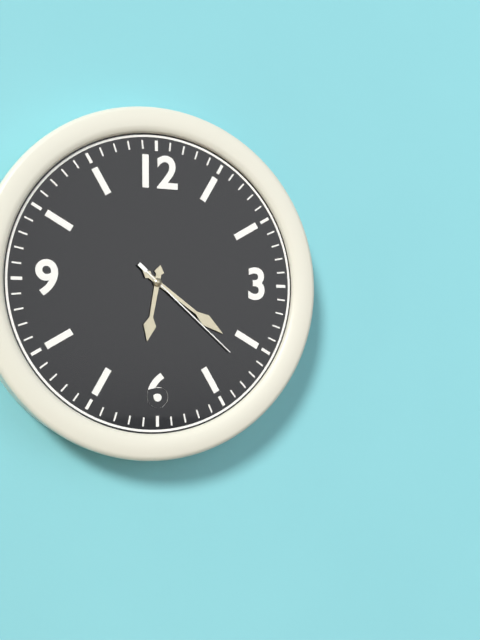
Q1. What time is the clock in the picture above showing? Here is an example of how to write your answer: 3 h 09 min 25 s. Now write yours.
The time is 6 h 21 min 22 s
